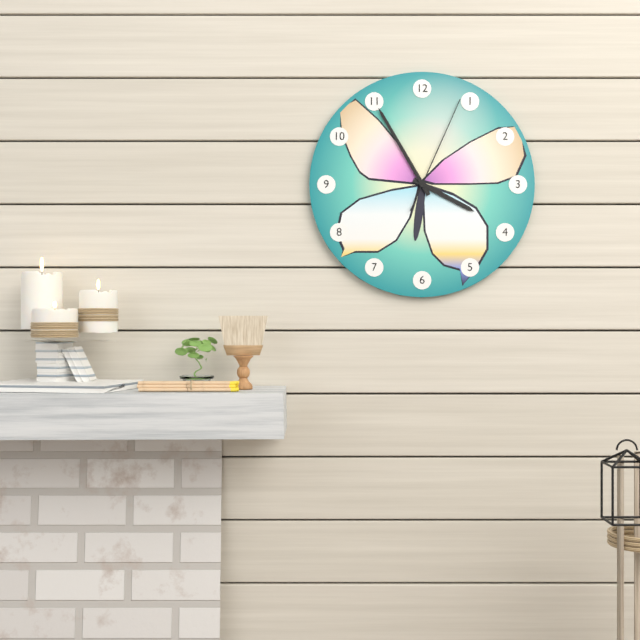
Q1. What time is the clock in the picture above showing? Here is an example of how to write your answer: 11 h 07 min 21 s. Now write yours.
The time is 3 h 55 min 04 s
